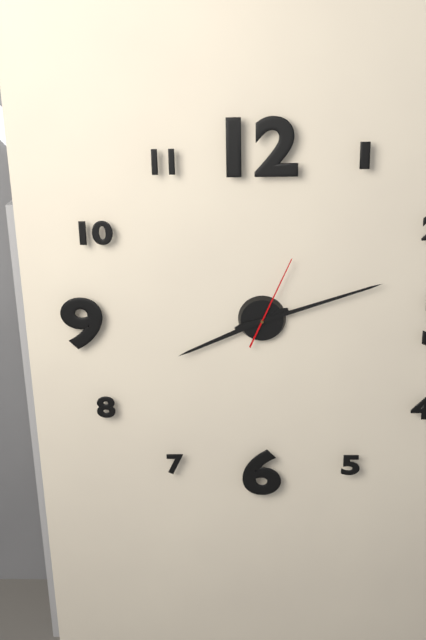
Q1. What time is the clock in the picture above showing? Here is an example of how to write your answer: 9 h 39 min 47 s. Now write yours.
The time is 8 h 12 min 04 s
